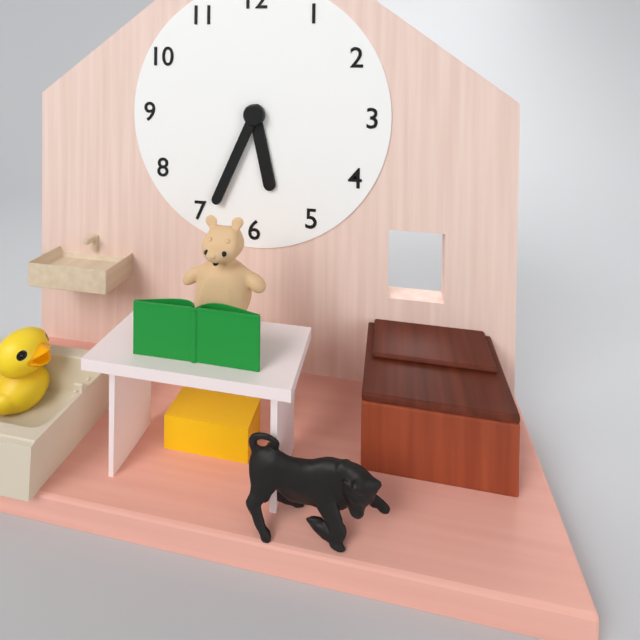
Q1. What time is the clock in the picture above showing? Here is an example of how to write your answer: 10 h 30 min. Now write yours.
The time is 5 h 34 min
